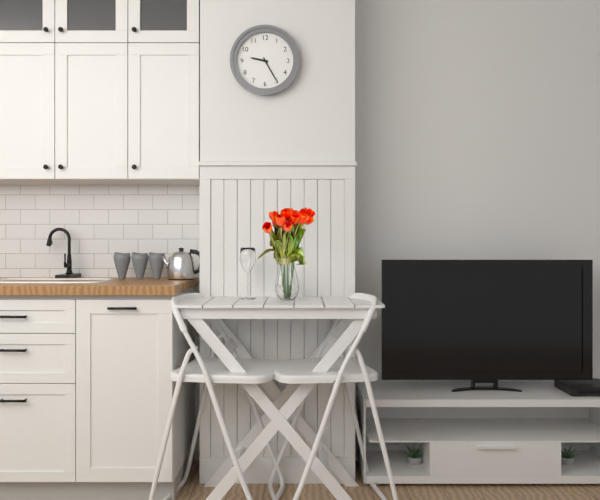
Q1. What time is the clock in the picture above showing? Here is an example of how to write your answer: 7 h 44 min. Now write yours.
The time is 9 h 25 min
